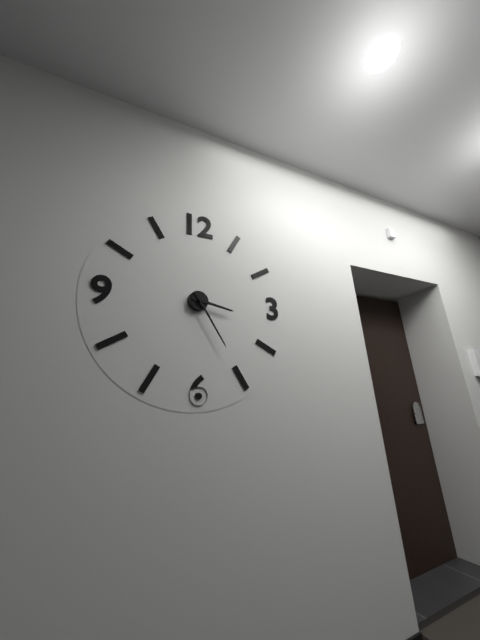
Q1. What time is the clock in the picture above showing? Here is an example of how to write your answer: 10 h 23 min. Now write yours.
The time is 3 h 25 min
